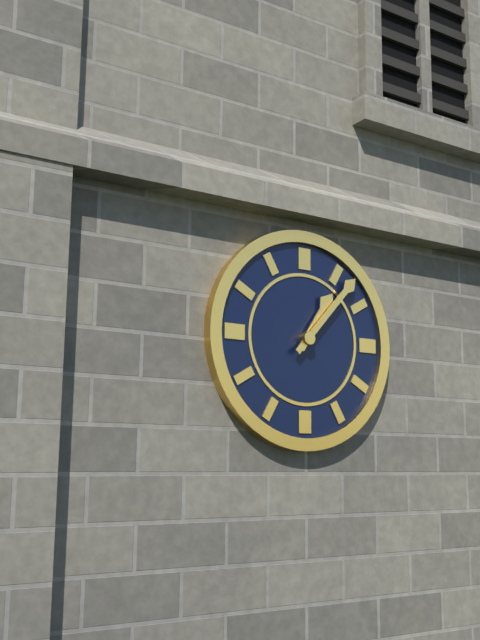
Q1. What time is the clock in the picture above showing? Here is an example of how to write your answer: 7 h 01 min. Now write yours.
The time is 1 h 07 min
